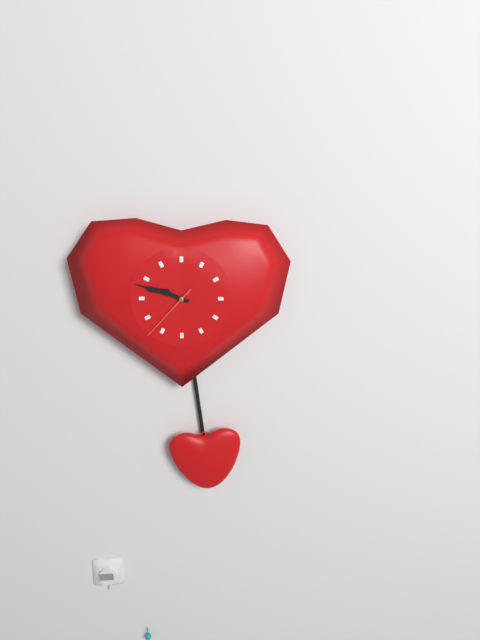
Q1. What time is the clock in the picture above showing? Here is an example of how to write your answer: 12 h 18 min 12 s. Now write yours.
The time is 9 h 48 min 37 s
